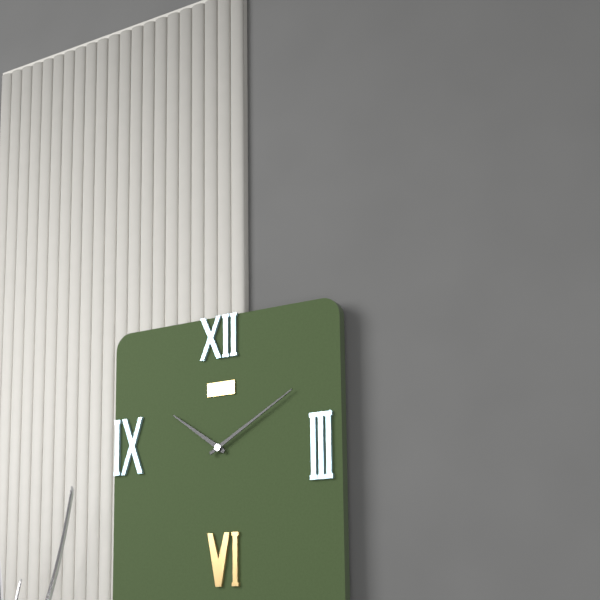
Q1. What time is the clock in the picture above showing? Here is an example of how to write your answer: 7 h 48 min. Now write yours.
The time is 10 h 10 min
